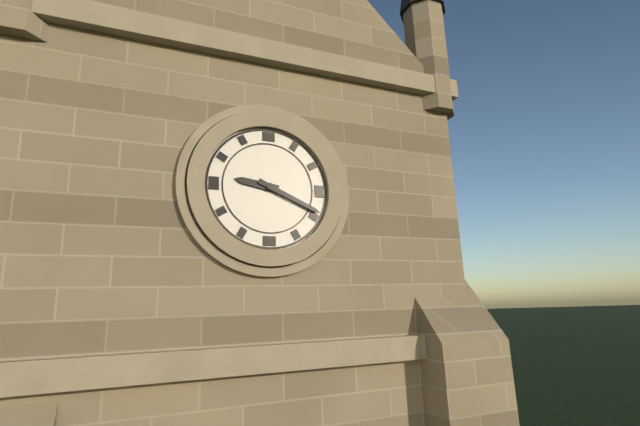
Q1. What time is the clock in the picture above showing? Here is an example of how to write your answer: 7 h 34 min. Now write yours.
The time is 9 h 19 min
